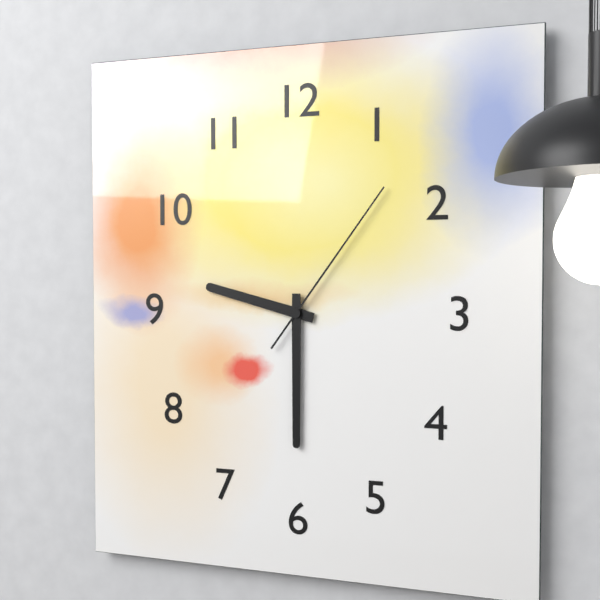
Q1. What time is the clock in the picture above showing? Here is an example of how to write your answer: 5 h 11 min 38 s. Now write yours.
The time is 9 h 30 min 06 s
